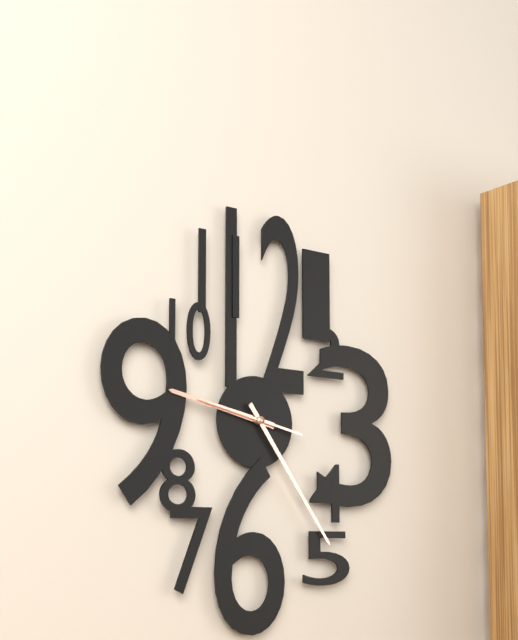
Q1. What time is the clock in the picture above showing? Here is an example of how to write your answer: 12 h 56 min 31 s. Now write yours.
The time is 9 h 24 min 47 s
